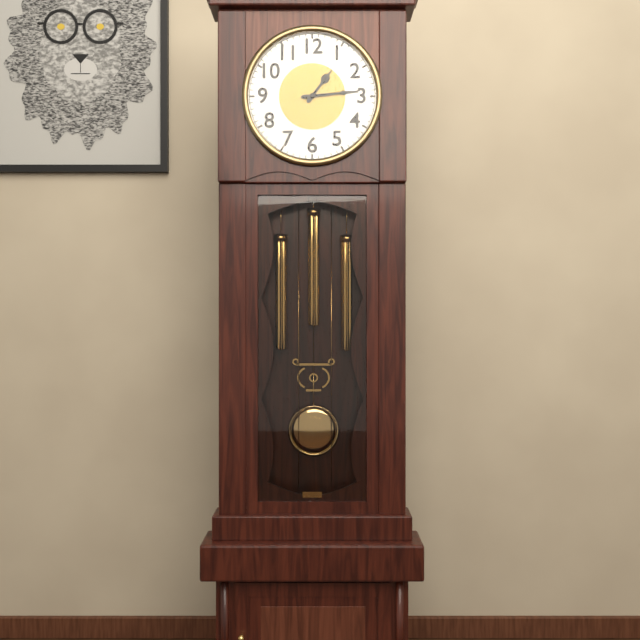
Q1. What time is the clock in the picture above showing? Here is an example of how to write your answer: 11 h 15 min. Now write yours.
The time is 1 h 14 min
